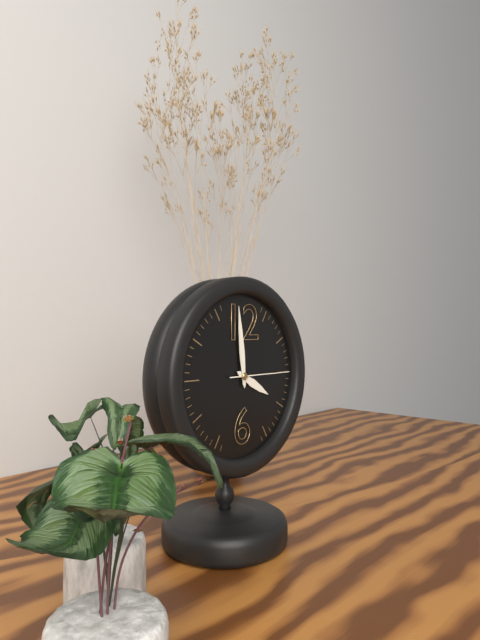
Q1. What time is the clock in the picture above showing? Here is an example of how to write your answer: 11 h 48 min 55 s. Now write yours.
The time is 3 h 59 min 15 s
